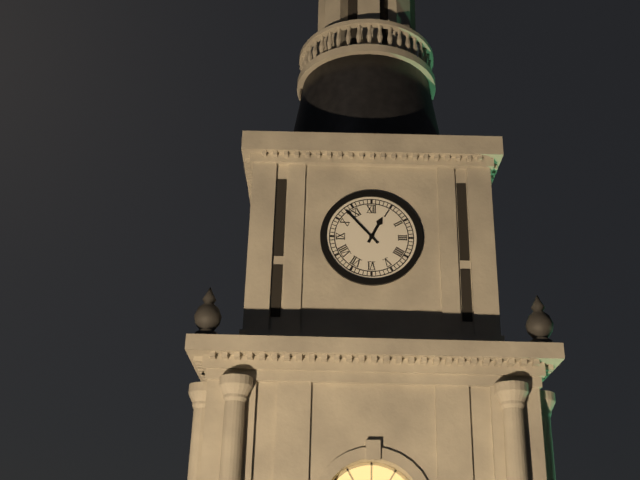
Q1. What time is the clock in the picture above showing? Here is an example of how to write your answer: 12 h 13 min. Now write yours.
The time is 12 h 53 min
